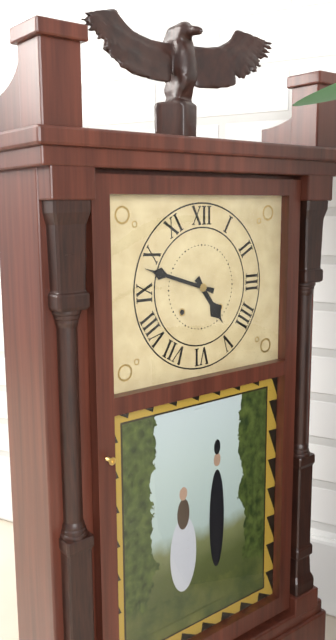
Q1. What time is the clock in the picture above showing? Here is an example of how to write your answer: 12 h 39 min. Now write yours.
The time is 4 h 48 min
